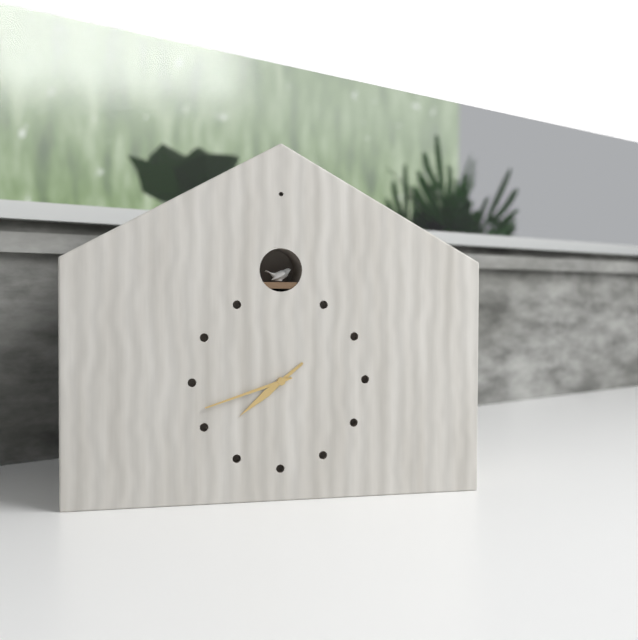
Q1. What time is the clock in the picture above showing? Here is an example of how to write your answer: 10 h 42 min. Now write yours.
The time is 7 h 42 min
